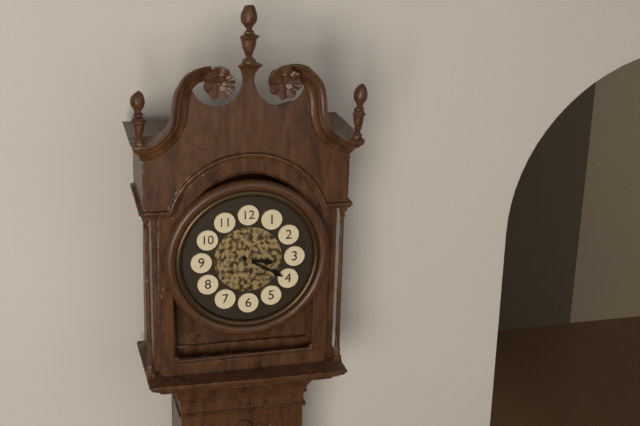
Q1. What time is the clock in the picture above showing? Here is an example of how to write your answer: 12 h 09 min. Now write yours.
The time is 3 h 20 min
